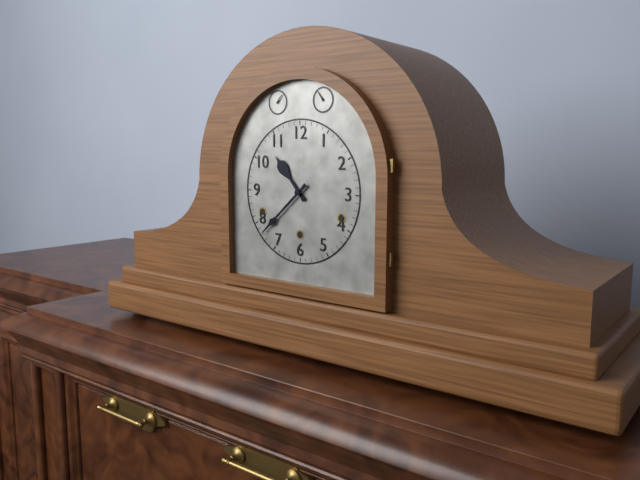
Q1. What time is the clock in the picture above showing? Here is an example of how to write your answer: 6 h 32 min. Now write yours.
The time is 10 h 38 min
